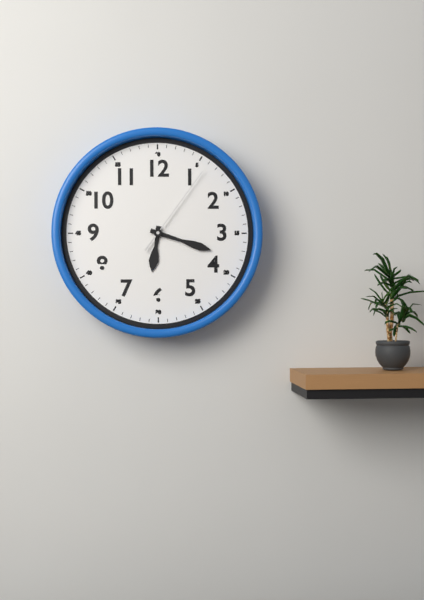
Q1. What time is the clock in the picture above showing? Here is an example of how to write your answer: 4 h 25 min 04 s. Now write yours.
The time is 6 h 18 min 06 s
